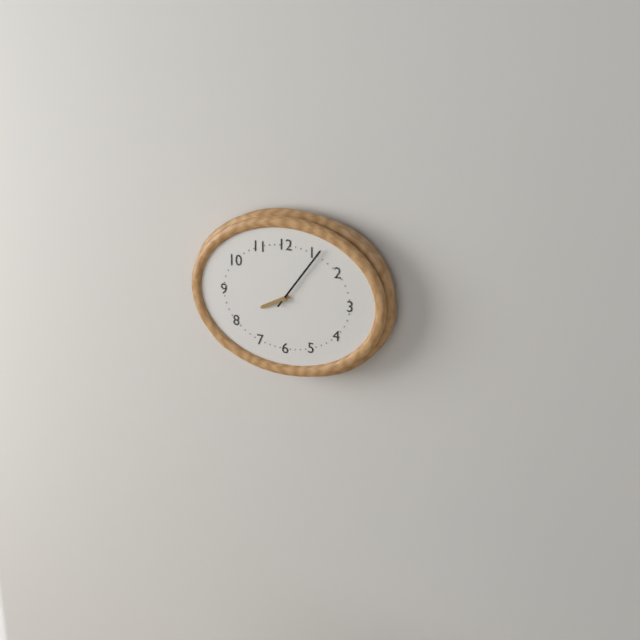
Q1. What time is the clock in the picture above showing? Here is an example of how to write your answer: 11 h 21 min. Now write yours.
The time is 8 h 06 min
